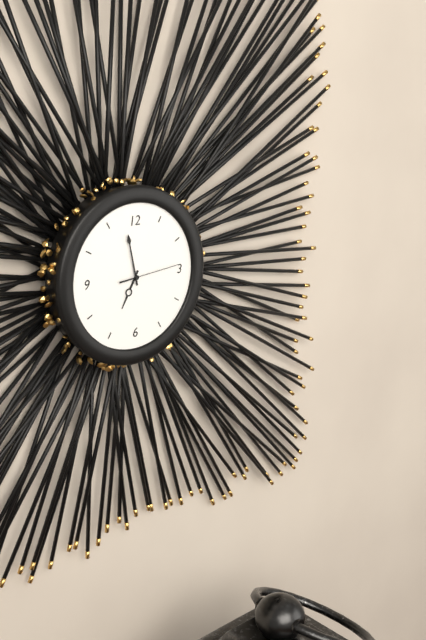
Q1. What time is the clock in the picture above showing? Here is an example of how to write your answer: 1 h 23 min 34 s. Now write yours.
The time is 6 h 58 min 14 s
